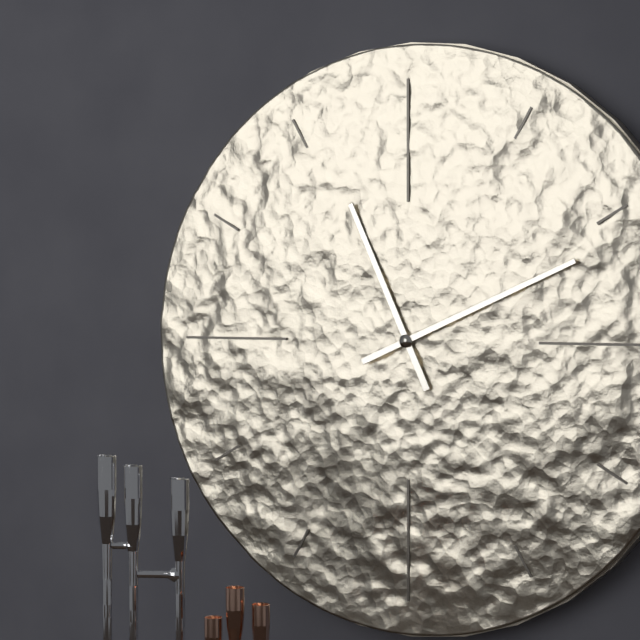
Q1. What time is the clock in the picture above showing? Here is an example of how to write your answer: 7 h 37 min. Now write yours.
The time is 11 h 11 min
